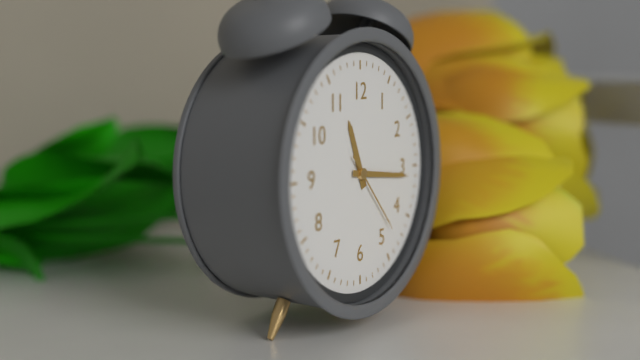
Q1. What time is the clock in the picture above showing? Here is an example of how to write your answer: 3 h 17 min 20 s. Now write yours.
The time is 11 h 16 min 23 s
